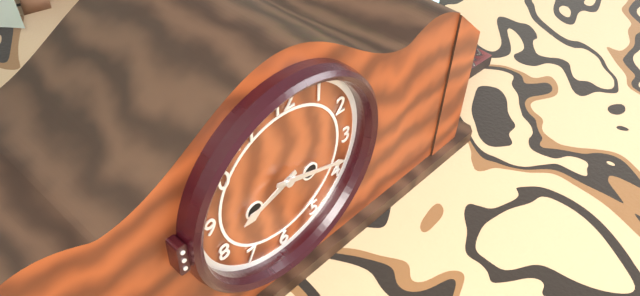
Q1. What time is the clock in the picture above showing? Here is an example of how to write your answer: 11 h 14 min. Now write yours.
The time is 8 h 18 min
